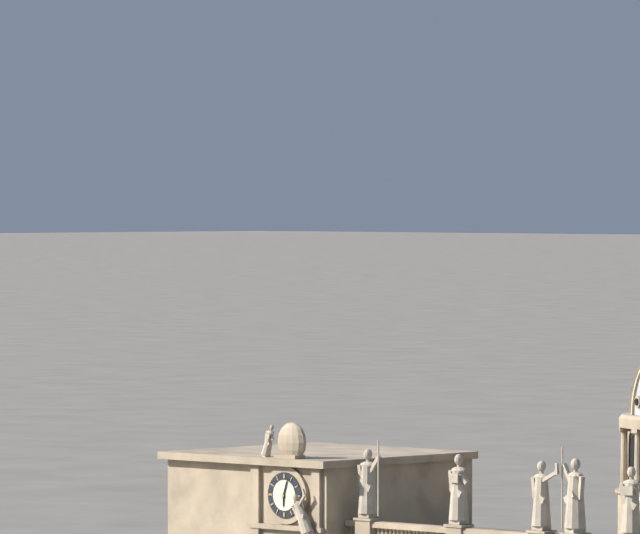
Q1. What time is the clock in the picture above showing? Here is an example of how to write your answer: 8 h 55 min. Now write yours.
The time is 6 h 03 min
